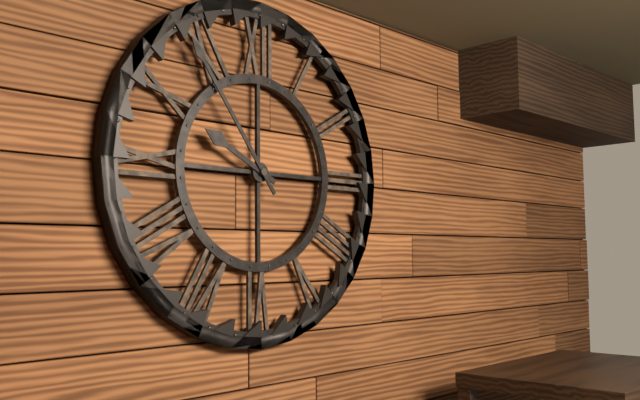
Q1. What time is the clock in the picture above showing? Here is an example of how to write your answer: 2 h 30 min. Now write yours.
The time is 9 h 54 min
